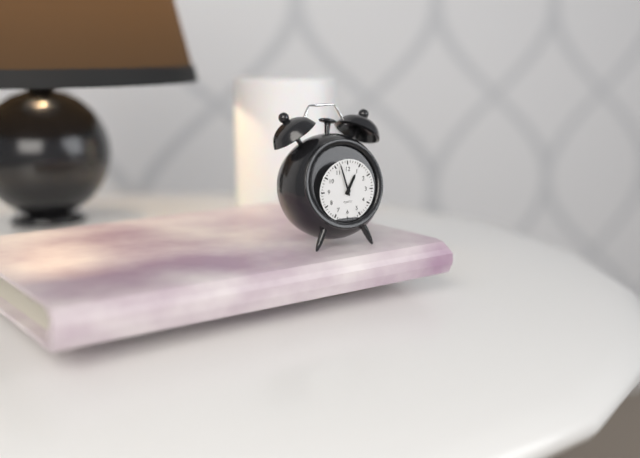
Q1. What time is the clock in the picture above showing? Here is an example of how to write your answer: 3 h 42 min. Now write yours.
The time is 12 h 57 min
